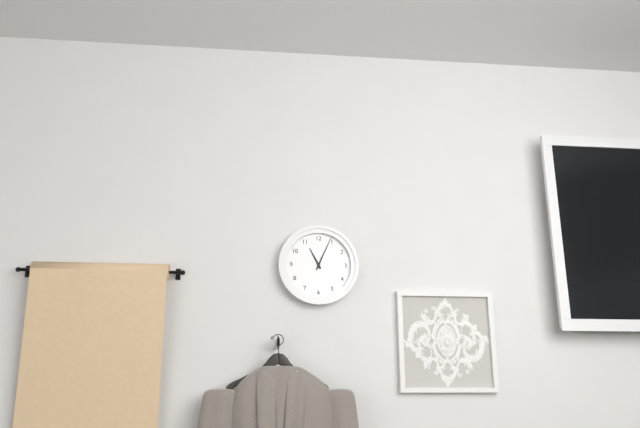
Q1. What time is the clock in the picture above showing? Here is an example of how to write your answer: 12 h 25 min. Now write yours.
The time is 11 h 04 min
